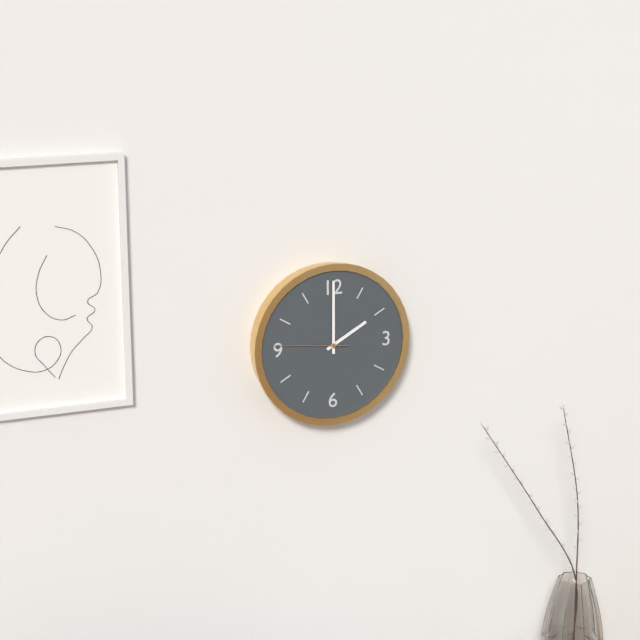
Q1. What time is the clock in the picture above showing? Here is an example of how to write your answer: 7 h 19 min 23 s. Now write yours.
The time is 2 h 00 min 46 s
